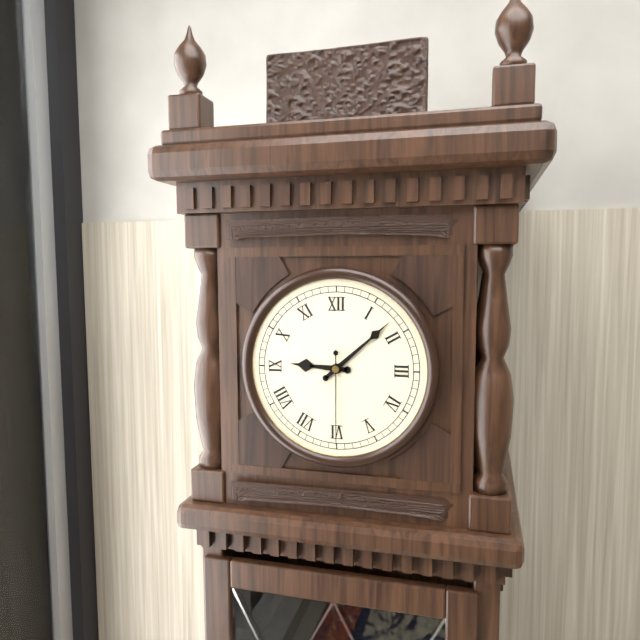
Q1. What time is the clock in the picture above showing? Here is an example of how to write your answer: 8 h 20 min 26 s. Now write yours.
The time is 9 h 08 min 30 s
